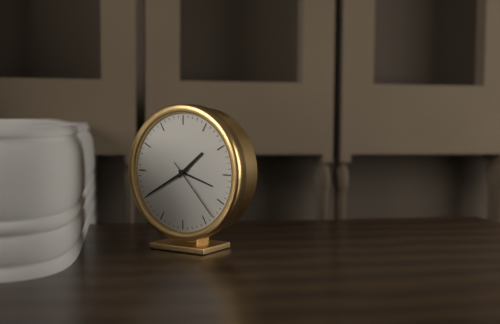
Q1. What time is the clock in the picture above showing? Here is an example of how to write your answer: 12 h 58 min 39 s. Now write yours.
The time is 1 h 40 min 23 s
